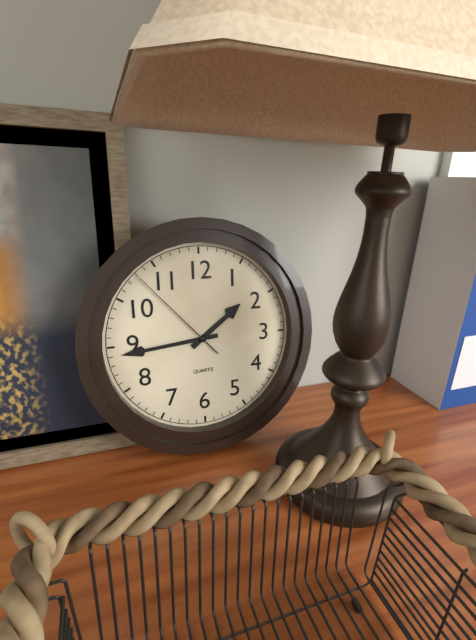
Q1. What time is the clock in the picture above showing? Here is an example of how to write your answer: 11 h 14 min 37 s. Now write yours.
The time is 1 h 44 min 53 s
